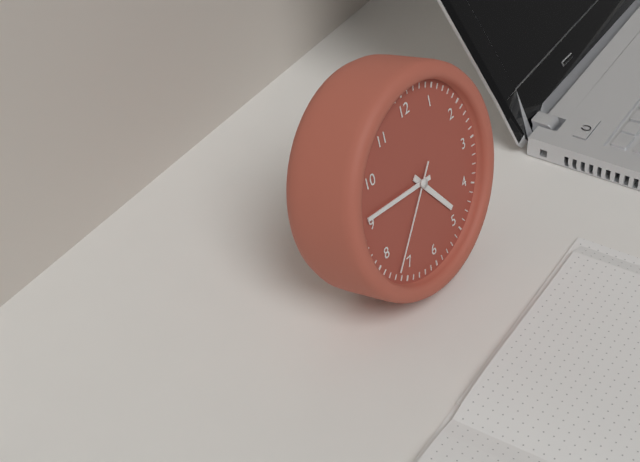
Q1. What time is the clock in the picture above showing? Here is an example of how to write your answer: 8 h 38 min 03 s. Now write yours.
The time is 4 h 46 min 37 s
